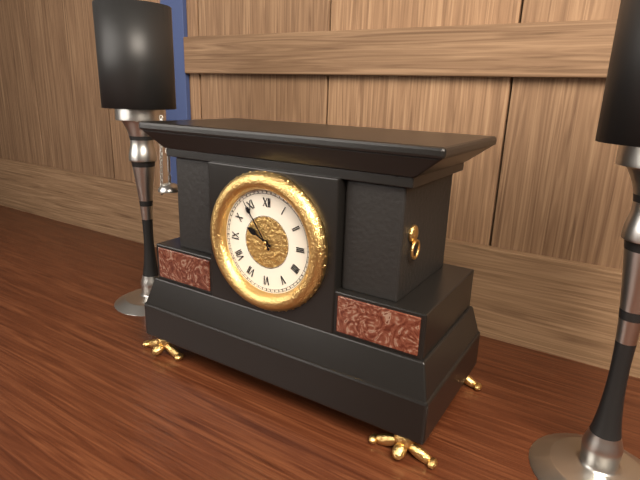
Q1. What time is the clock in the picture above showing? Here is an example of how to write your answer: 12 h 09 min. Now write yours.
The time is 9 h 54 min
